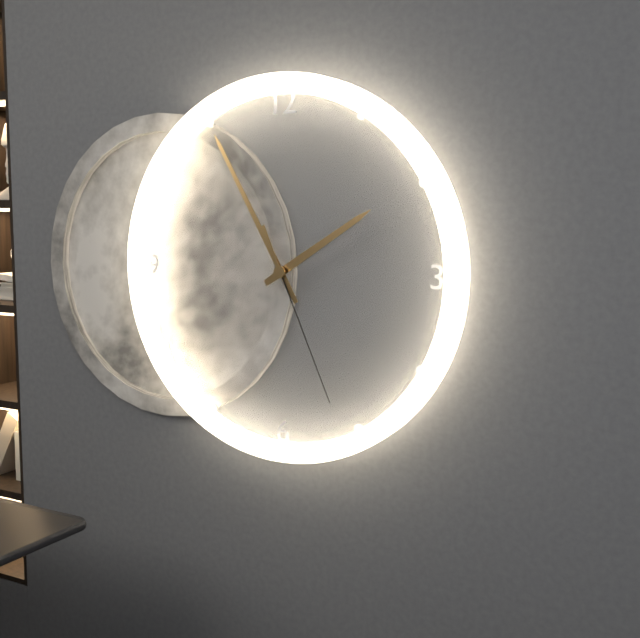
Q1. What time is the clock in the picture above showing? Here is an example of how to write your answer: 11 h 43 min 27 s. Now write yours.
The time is 1 h 55 min 26 s
